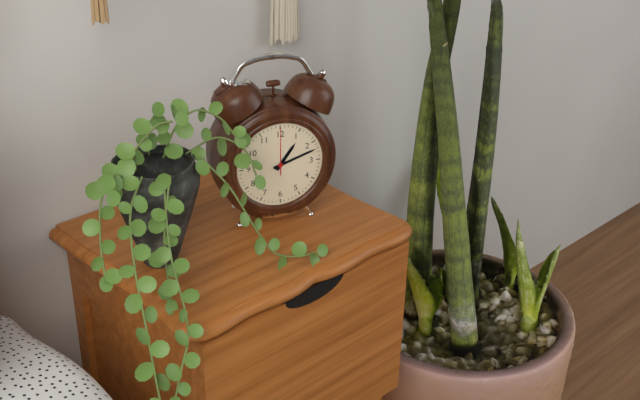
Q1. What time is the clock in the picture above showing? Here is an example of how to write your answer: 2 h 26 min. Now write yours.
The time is 1 h 12 min
